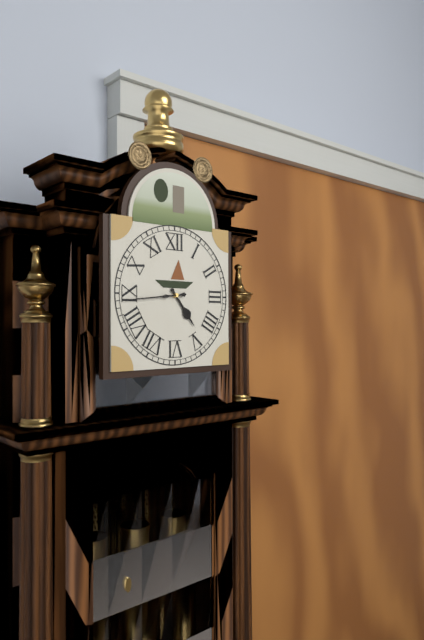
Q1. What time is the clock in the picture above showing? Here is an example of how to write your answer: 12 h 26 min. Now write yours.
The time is 4 h 44 min
